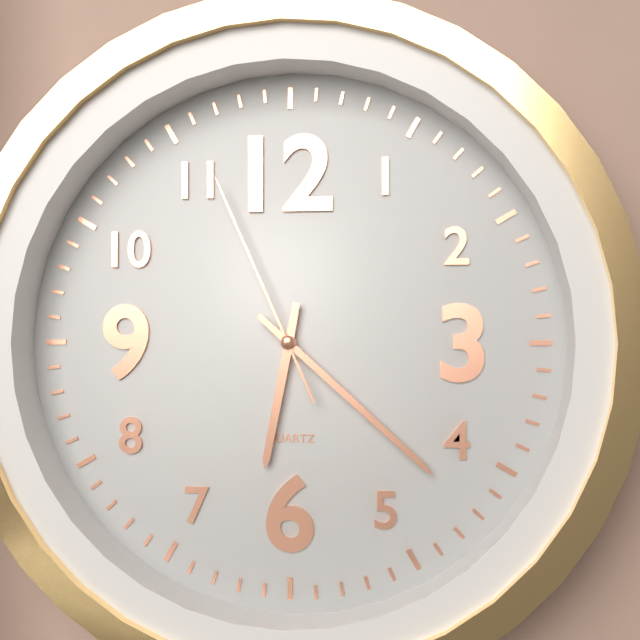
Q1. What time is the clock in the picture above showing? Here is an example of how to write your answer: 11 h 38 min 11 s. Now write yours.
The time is 6 h 22 min 56 s
